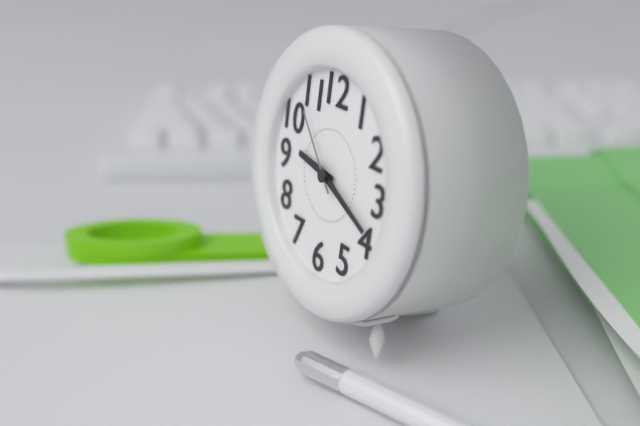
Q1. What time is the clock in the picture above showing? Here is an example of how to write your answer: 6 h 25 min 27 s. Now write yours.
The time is 9 h 19 min 53 s
